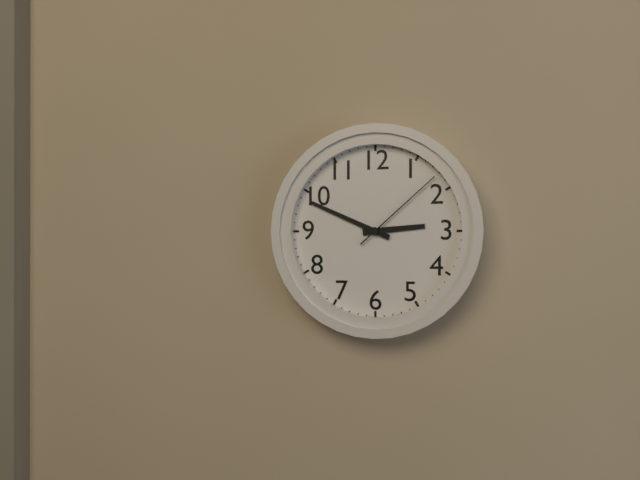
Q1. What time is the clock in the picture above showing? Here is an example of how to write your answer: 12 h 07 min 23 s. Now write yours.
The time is 2 h 49 min 08 s
